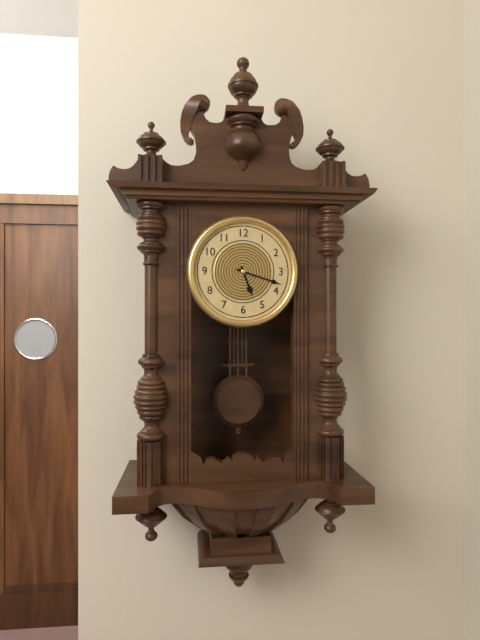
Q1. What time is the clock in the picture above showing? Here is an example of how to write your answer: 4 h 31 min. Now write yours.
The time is 5 h 18 min
